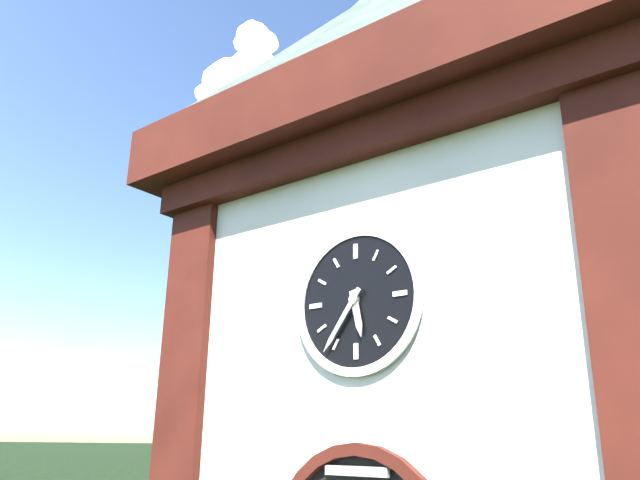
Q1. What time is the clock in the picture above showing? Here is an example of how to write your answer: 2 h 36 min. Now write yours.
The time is 5 h 36 min
